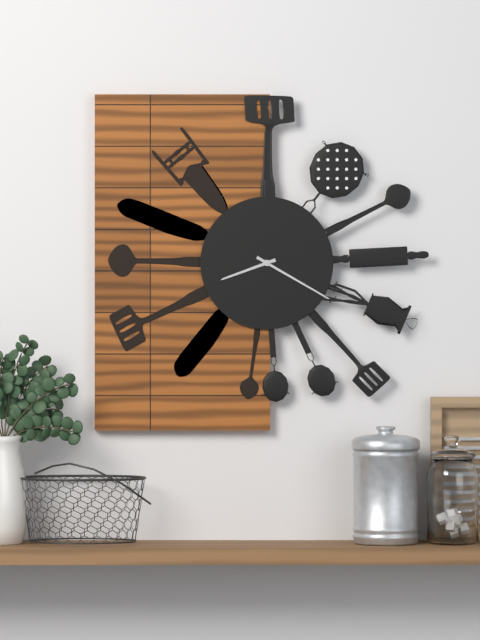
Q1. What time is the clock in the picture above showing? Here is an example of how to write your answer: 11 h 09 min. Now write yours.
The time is 8 h 20 min
